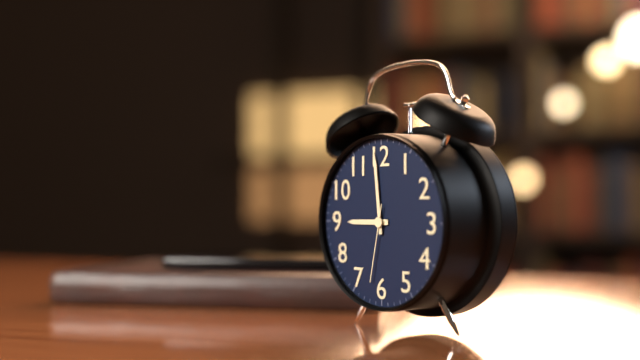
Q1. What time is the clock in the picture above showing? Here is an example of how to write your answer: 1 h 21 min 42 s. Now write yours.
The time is 8 h 59 min 32 s
